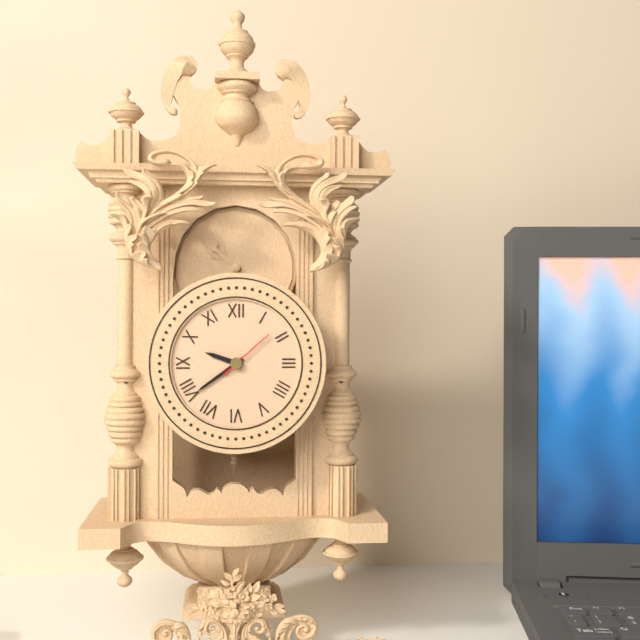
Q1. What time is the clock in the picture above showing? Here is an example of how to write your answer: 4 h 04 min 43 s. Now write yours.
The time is 9 h 39 min 08 s
